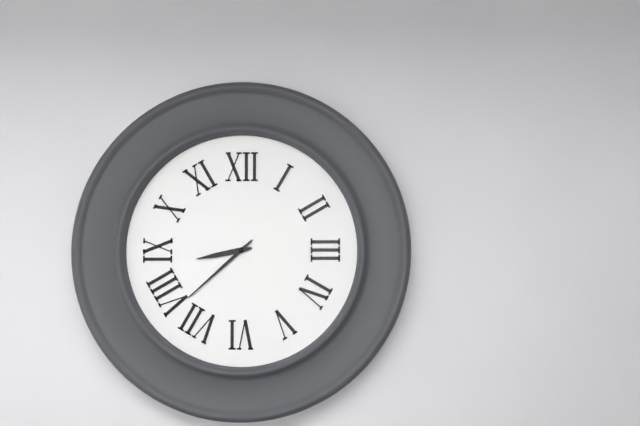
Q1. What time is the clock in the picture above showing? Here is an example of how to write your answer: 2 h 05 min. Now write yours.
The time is 8 h 38 min
